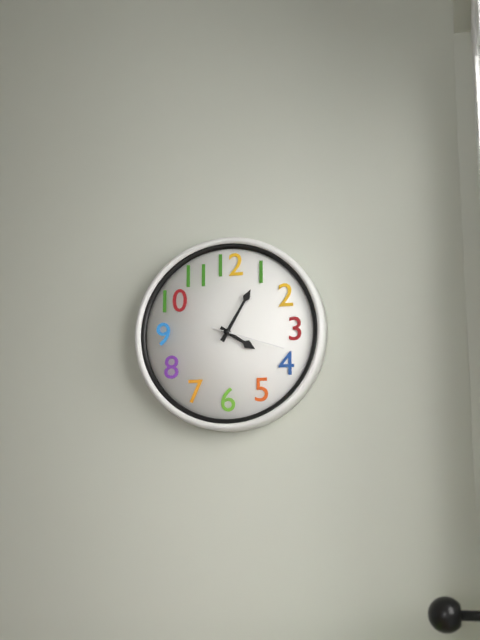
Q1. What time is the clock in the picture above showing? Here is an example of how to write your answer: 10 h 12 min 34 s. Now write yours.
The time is 4 h 05 min 18 s
